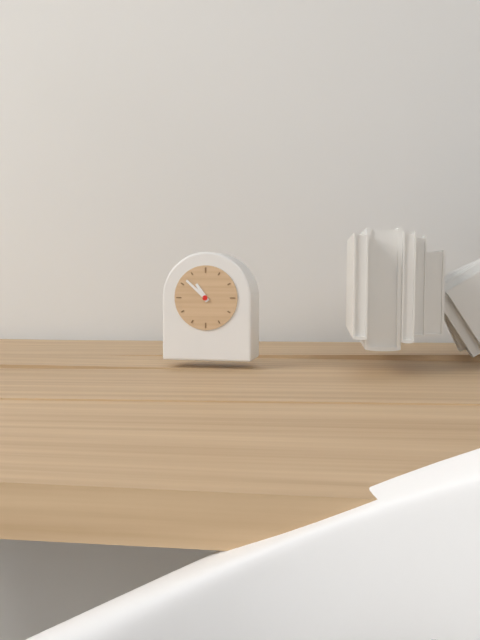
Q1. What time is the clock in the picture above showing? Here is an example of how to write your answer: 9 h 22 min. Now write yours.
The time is 10 h 52 min
